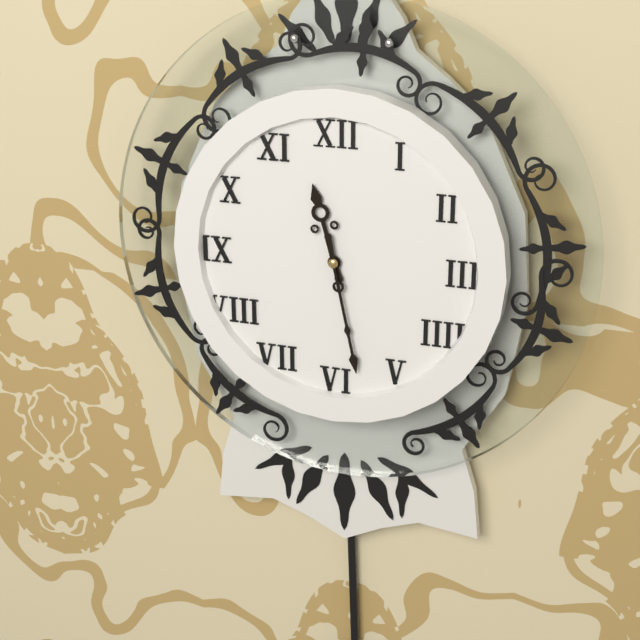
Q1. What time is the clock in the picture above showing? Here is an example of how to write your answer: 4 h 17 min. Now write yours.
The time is 11 h 28 min
